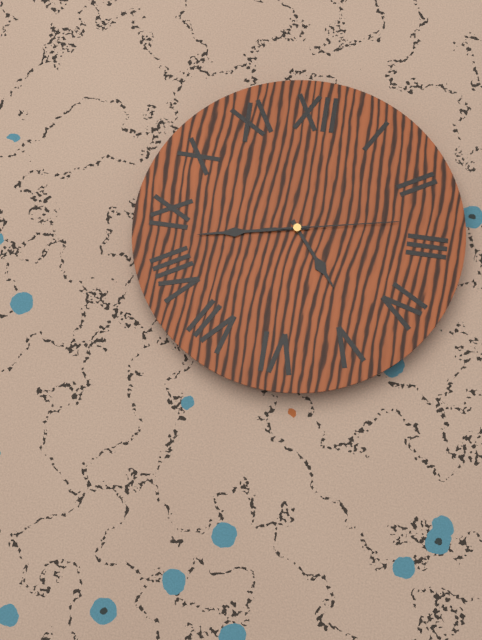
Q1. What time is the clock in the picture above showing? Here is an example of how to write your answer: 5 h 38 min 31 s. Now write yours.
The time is 4 h 43 min 13 s
